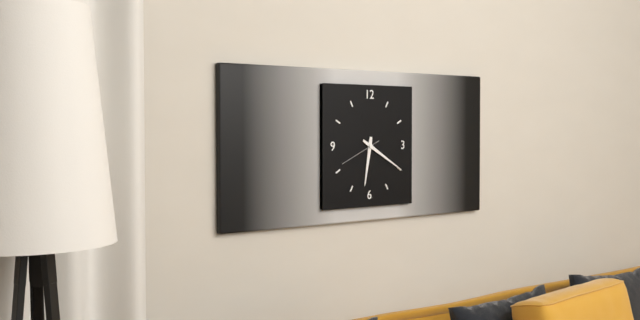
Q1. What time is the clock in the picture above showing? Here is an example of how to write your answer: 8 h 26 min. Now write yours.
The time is 6 h 20 min
